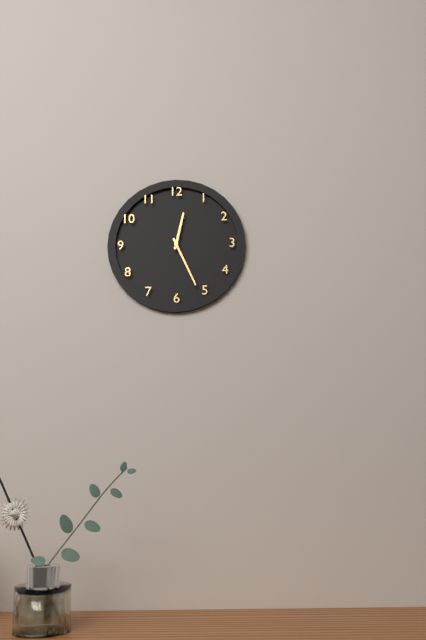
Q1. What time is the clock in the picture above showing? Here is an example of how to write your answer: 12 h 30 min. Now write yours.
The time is 12 h 26 min
